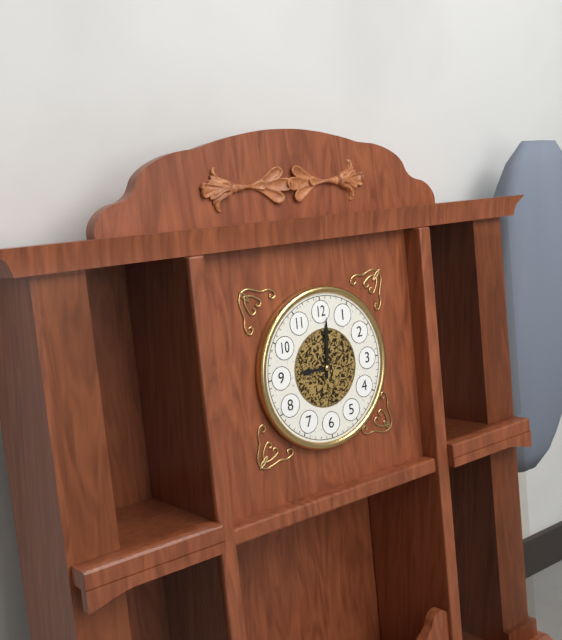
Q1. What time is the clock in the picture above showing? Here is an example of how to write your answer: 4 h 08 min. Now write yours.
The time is 9 h 01 min
